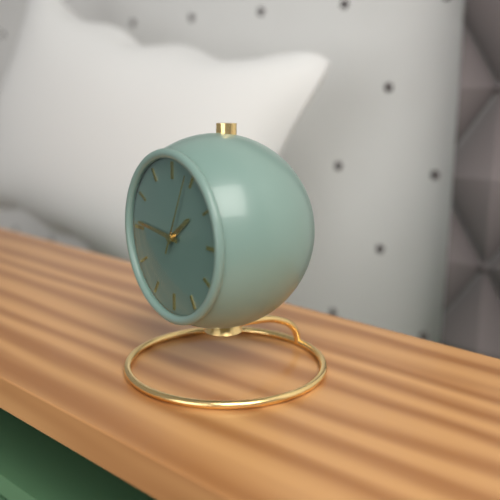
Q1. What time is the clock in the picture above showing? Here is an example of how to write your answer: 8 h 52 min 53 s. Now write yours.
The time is 1 h 46 min 04 s
